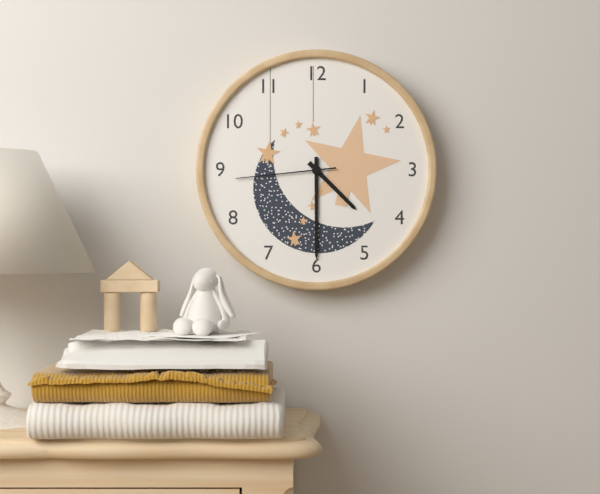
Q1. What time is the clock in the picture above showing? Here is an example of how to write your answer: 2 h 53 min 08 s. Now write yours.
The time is 4 h 30 min 44 s
